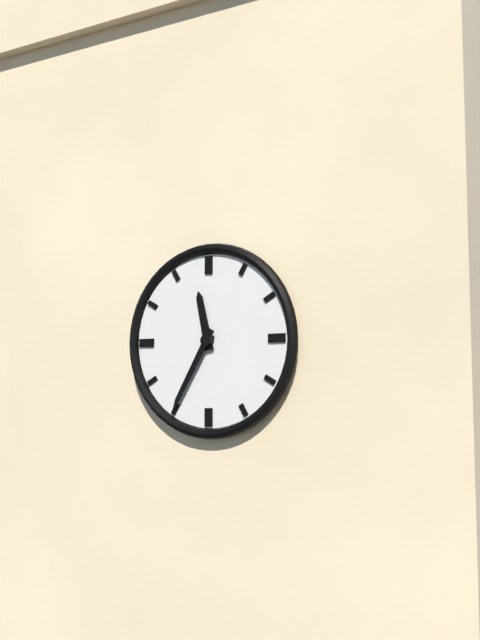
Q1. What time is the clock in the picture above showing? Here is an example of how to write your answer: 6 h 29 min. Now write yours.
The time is 11 h 35 min
